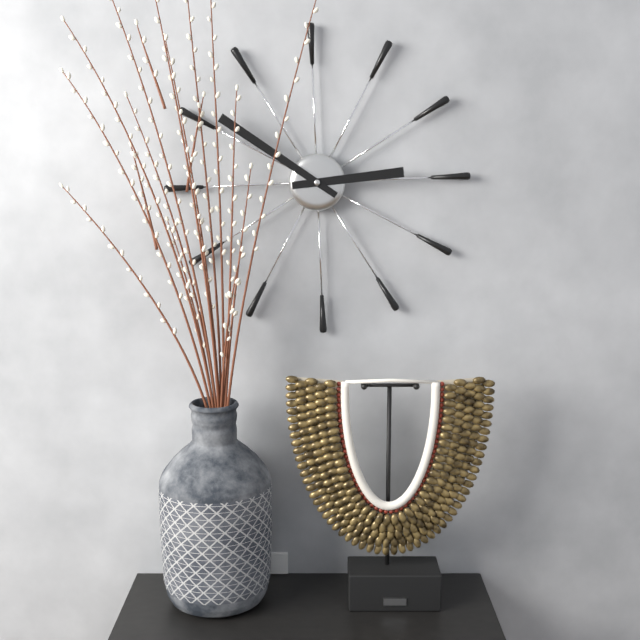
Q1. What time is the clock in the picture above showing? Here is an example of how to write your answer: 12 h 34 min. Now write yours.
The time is 2 h 51 min
